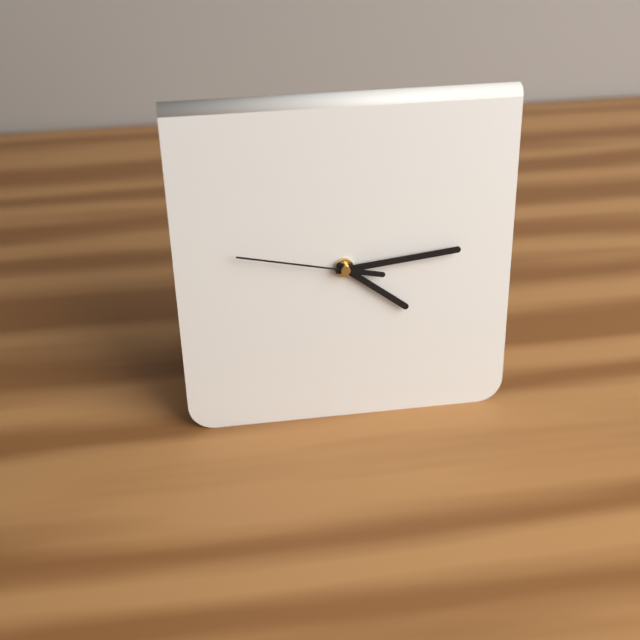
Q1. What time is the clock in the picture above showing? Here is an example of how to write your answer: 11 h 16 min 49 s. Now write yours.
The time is 4 h 14 min 47 s
